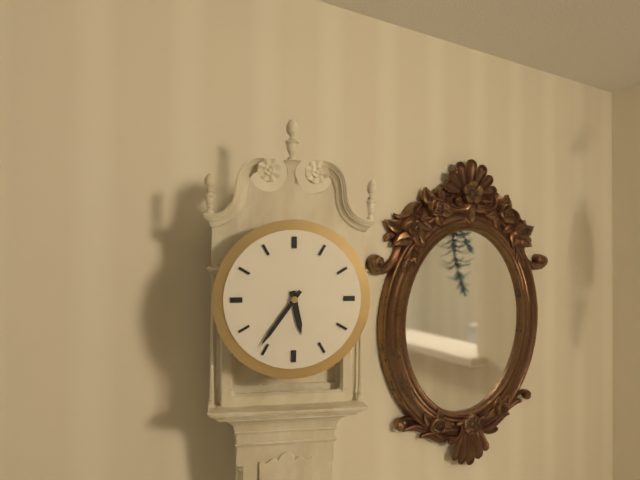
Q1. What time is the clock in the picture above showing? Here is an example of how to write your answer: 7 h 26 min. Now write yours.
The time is 5 h 36 min
